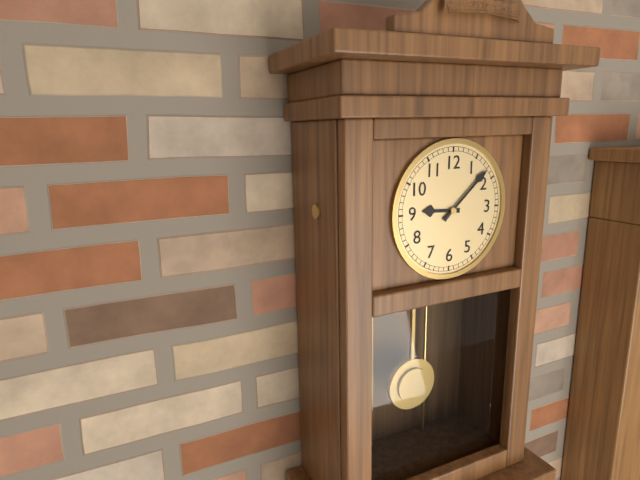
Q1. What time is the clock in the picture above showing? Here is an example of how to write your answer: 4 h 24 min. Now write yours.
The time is 9 h 08 min
